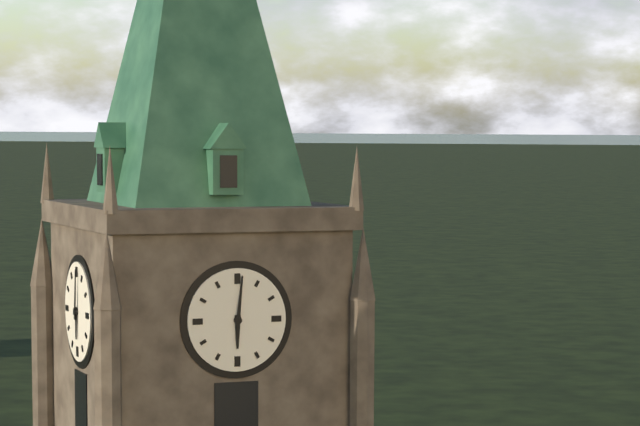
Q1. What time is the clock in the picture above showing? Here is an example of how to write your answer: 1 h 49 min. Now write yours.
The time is 6 h 01 min
